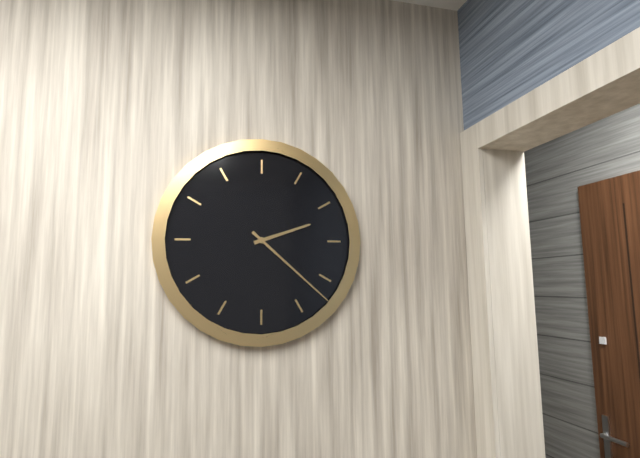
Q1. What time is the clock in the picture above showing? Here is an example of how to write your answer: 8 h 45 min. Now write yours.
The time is 2 h 22 min
